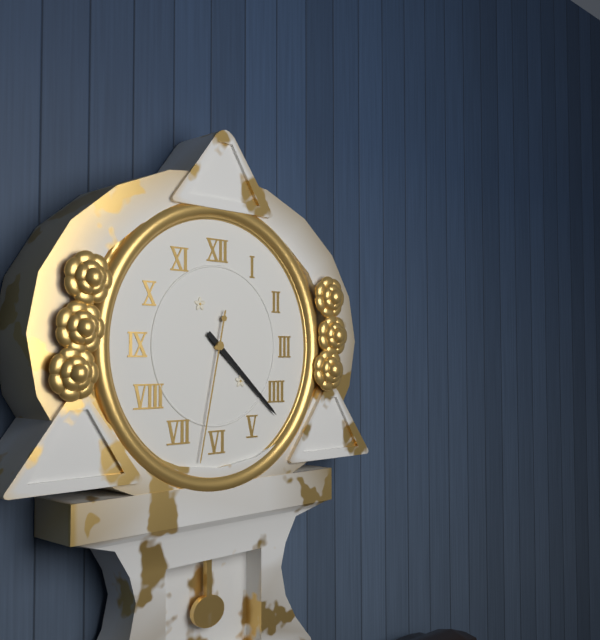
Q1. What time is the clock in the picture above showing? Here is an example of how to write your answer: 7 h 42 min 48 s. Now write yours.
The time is 4 h 22 min 32 s
